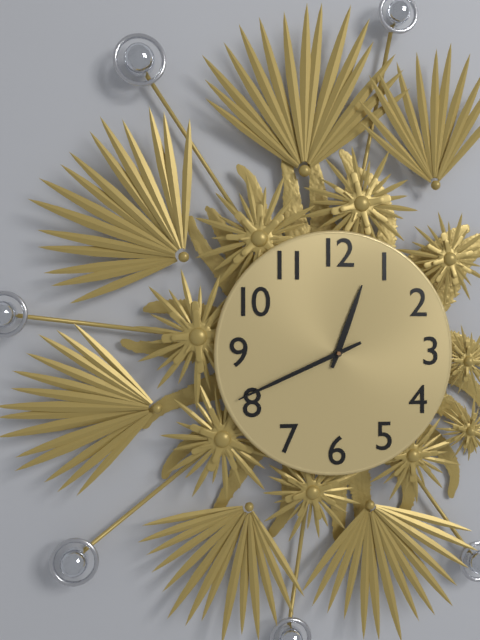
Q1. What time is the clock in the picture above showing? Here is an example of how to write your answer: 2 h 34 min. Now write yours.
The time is 12 h 41 min
